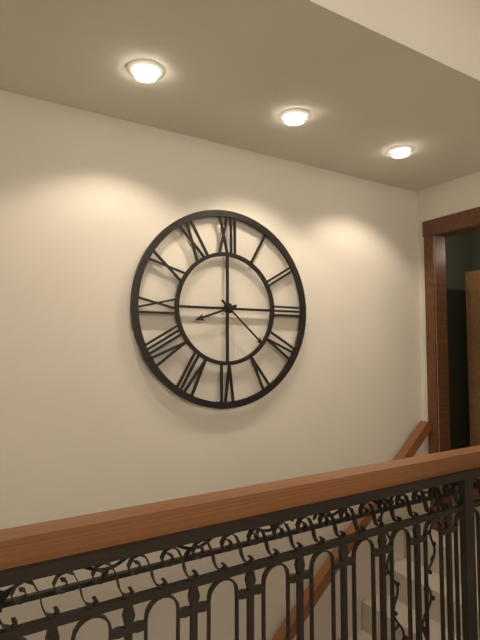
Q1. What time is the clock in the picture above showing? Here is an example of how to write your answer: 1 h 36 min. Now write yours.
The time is 8 h 22 min
